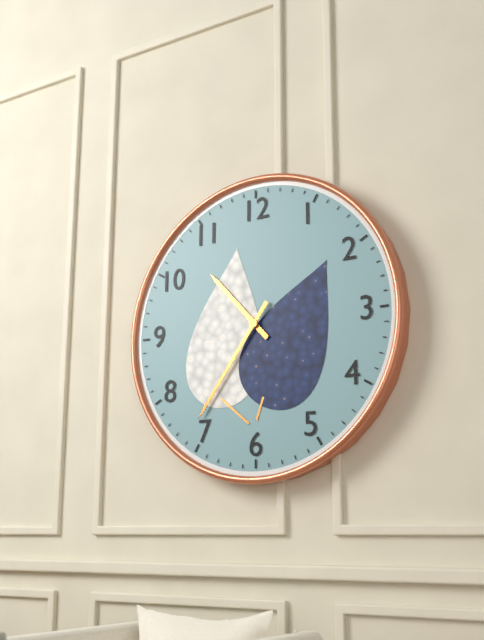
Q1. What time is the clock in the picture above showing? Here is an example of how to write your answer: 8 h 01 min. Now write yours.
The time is 10 h 36 min
